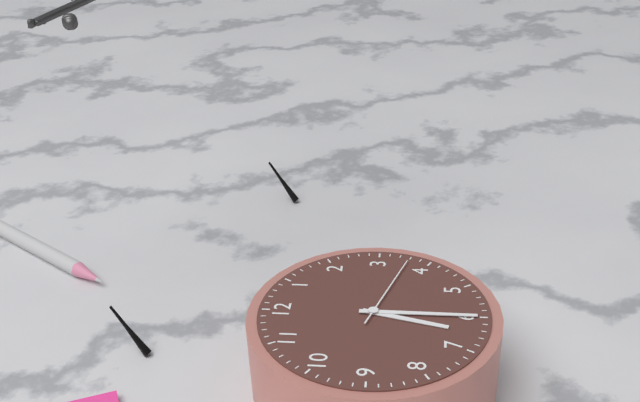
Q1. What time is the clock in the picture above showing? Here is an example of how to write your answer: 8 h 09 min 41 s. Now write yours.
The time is 6 h 30 min 18 s
